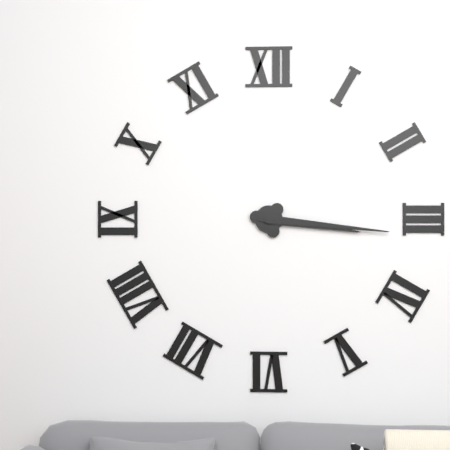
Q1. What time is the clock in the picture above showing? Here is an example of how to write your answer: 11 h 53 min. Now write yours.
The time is 3 h 16 min
